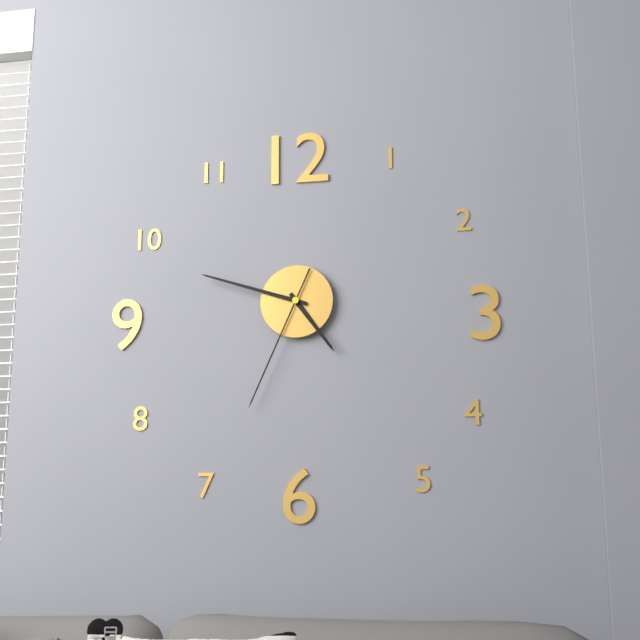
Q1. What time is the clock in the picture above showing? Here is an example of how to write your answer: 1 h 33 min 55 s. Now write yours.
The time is 4 h 48 min 34 s
